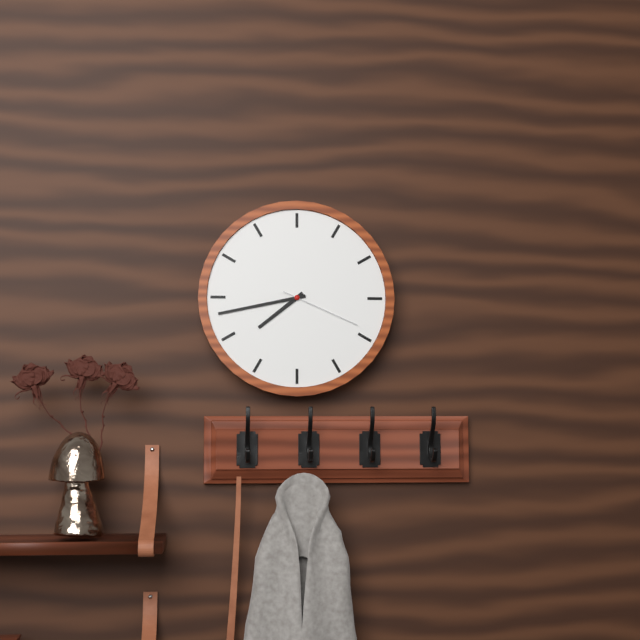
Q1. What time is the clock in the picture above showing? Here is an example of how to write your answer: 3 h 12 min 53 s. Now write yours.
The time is 7 h 43 min 19 s
